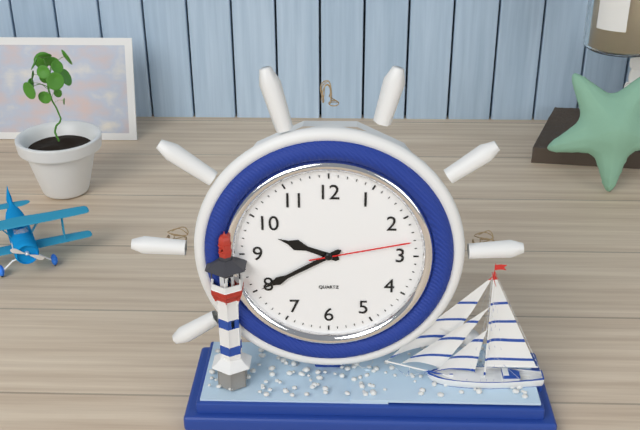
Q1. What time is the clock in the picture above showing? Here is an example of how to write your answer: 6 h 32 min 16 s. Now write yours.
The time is 9 h 40 min 13 s
